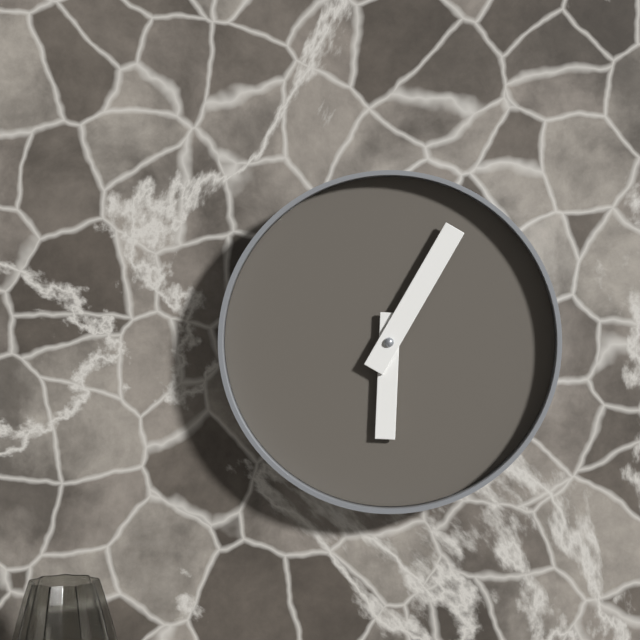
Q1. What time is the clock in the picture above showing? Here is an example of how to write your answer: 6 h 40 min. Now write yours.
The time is 6 h 05 min
